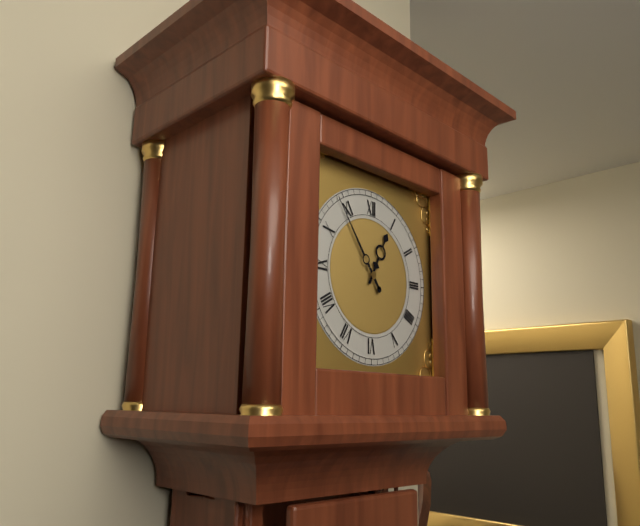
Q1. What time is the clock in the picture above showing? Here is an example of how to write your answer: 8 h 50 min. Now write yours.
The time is 12 h 54 min
